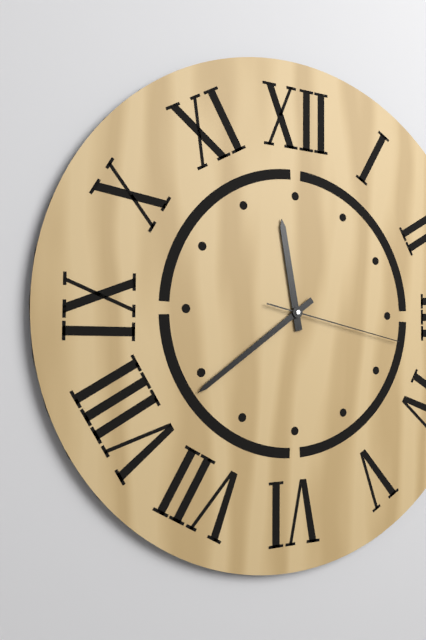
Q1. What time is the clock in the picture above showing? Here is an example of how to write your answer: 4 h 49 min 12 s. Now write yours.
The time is 11 h 39 min 17 s
